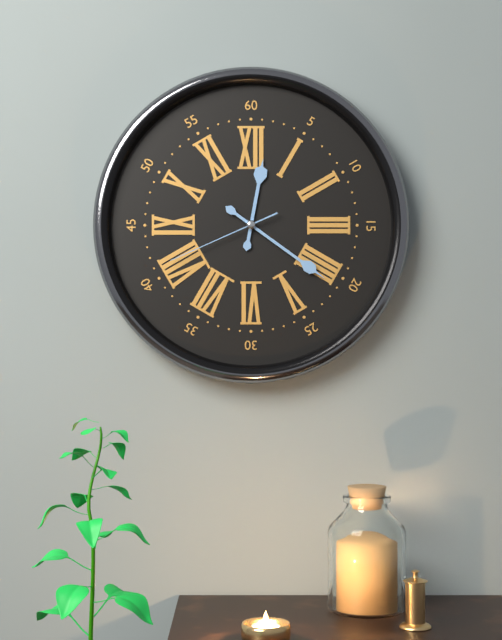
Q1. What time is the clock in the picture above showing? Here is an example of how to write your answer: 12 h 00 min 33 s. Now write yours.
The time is 12 h 21 min 41 s
